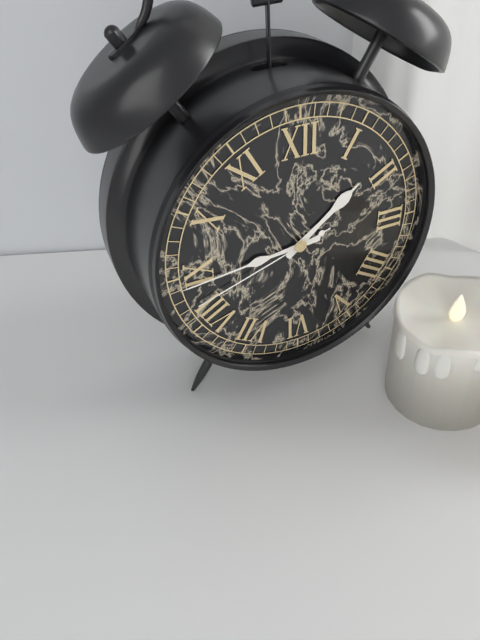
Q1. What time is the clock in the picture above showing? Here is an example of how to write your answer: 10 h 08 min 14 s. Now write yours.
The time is 1 h 44 min 42 s
